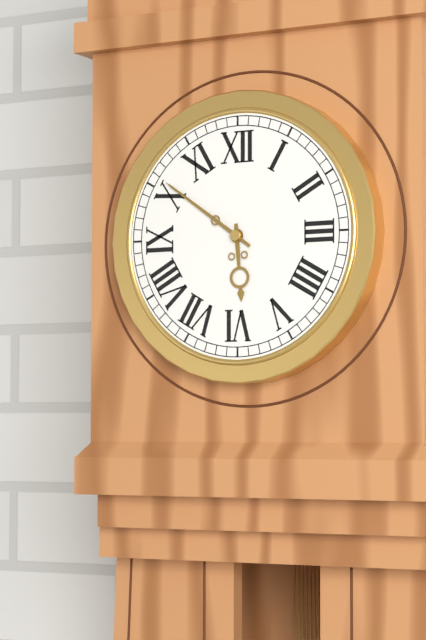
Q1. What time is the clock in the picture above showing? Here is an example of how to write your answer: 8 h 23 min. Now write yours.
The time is 5 h 51 min
